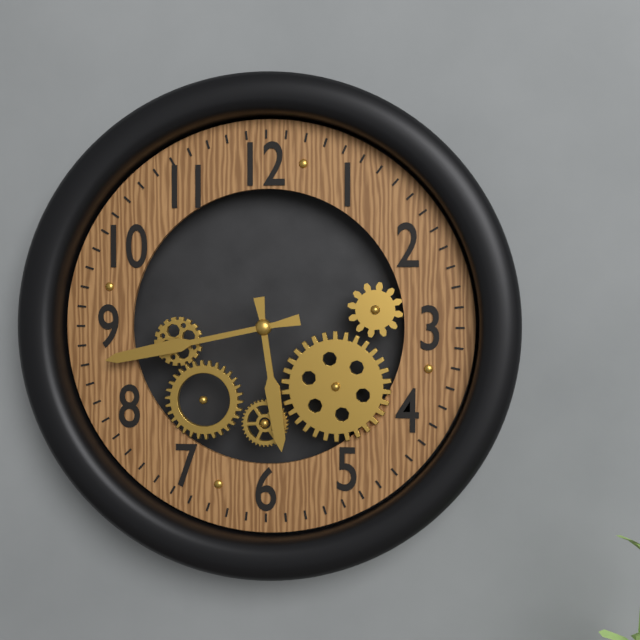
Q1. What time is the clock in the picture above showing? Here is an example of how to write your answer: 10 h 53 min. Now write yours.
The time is 5 h 43 min
